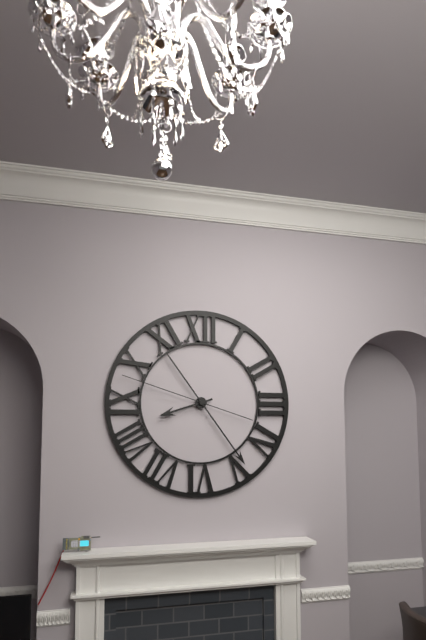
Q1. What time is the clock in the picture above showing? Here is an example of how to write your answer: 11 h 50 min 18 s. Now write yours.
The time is 8 h 24 min 48 s
